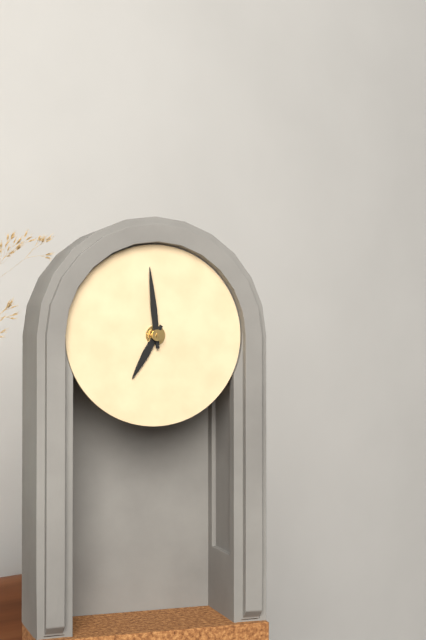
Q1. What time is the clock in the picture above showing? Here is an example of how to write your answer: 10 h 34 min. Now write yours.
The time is 6 h 59 min
